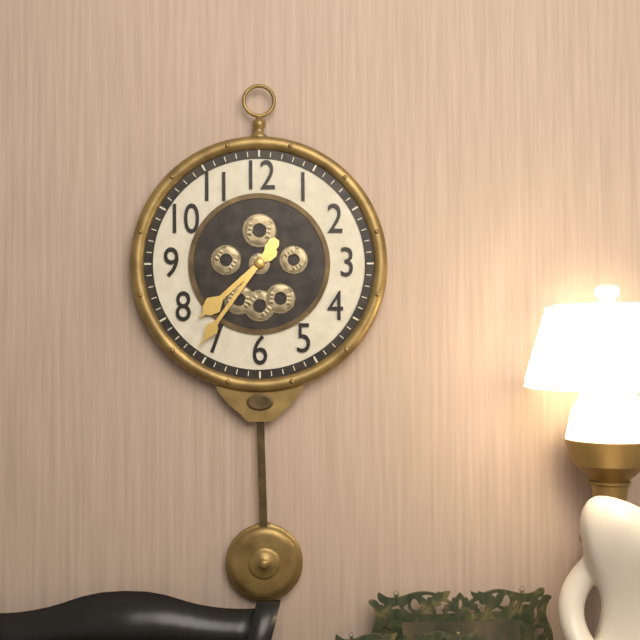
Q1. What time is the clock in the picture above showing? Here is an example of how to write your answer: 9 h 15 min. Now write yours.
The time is 7 h 36 min
